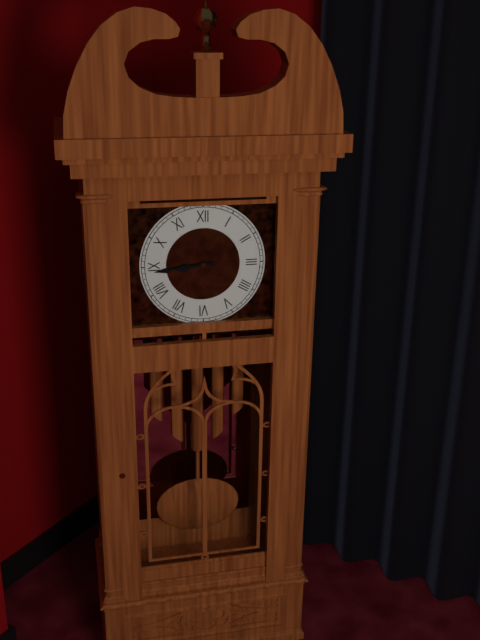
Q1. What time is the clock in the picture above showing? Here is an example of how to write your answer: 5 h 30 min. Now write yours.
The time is 8 h 44 min
